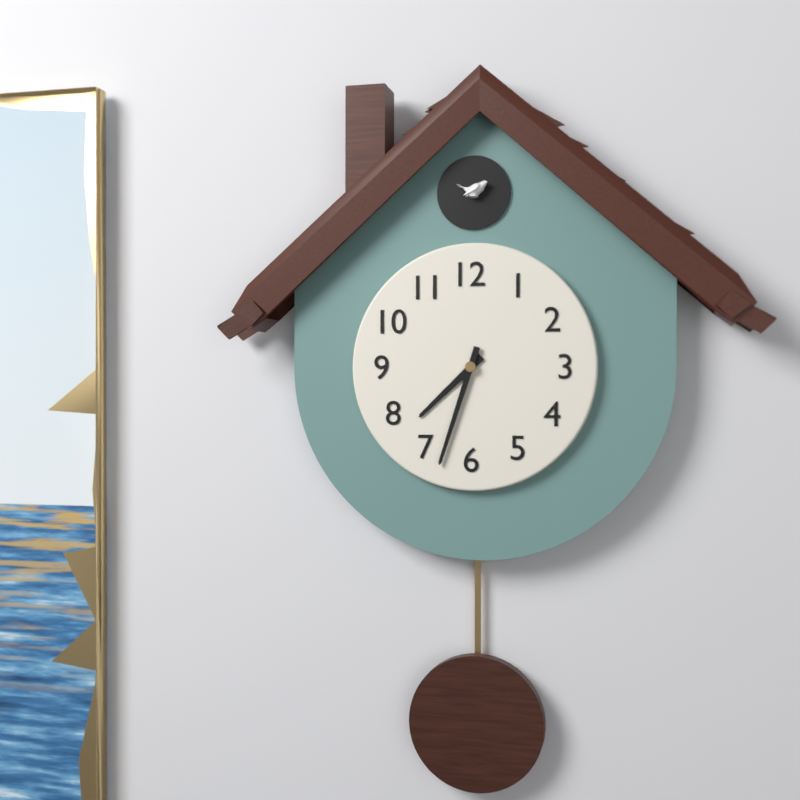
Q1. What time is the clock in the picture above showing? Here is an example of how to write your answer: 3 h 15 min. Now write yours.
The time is 7 h 33 min
